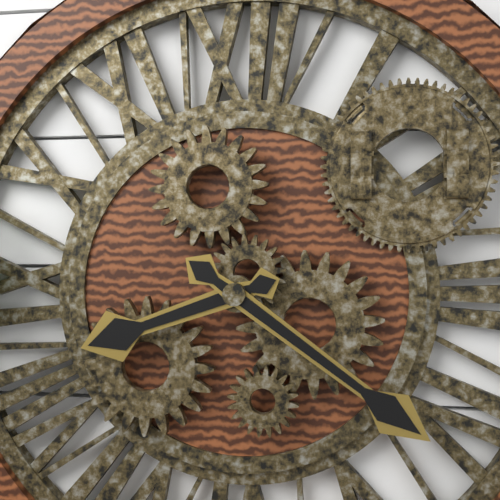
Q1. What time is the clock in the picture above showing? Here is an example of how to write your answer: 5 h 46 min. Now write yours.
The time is 8 h 21 min
